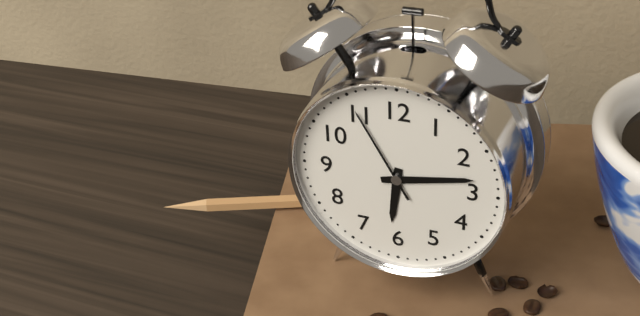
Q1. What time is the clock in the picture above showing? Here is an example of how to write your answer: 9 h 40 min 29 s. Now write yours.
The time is 6 h 13 min 55 s
